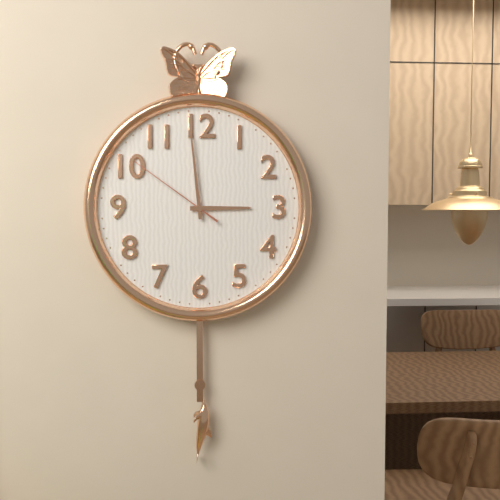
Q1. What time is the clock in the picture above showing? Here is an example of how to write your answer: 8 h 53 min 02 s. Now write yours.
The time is 2 h 59 min 51 s
